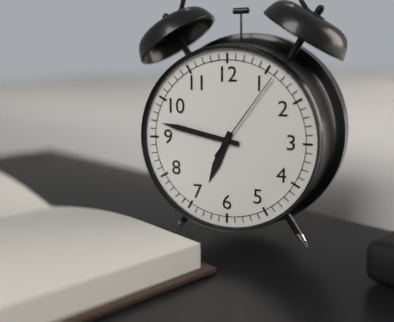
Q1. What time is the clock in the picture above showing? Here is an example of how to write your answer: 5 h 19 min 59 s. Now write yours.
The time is 6 h 47 min 06 s
